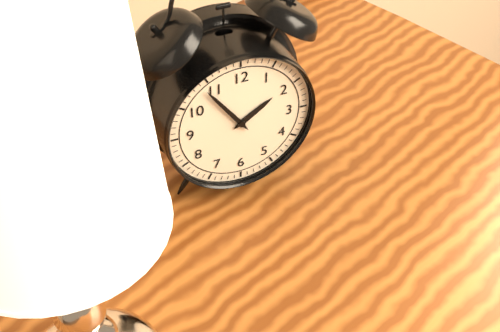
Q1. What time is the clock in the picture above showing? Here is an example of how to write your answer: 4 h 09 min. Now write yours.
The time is 1 h 54 min
